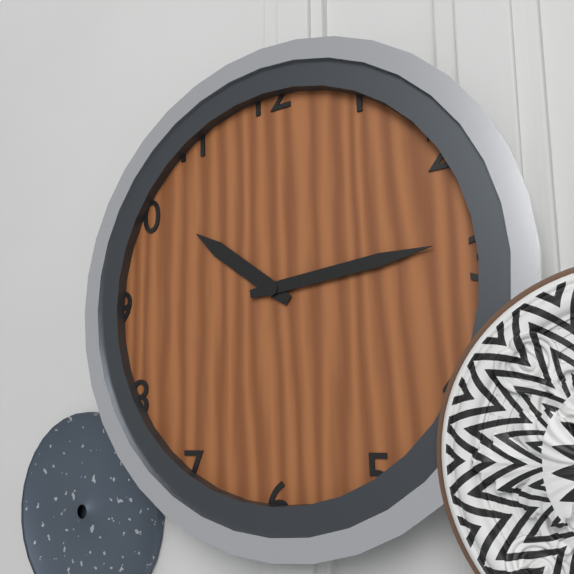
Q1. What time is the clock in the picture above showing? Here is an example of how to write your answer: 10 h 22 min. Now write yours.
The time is 10 h 14 min
